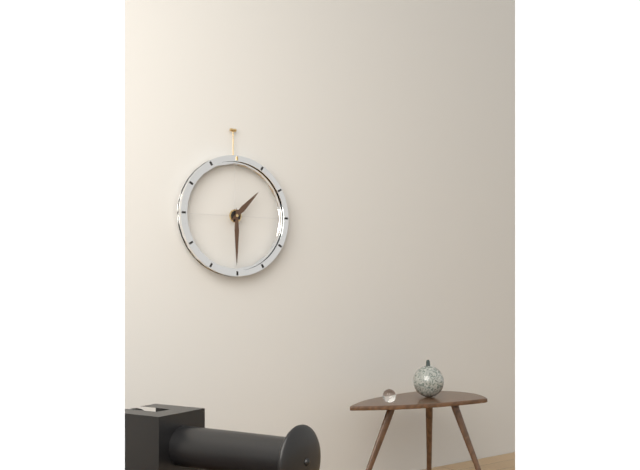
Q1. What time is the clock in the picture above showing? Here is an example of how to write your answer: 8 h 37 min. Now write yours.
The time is 1 h 30 min
